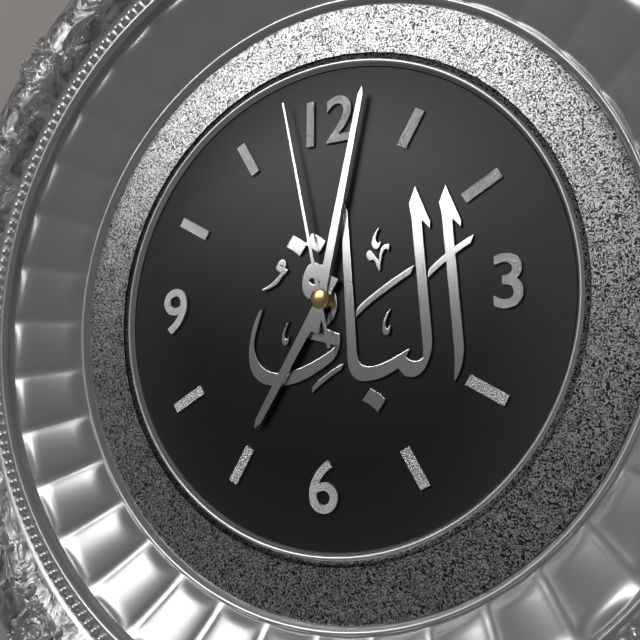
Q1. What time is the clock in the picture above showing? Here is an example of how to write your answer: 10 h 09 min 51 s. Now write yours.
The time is 7 h 02 min 58 s
